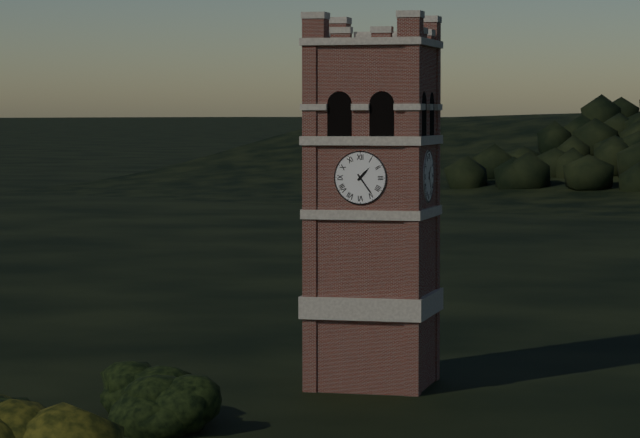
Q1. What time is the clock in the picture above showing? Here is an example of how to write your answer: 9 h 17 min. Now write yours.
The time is 1 h 24 min
